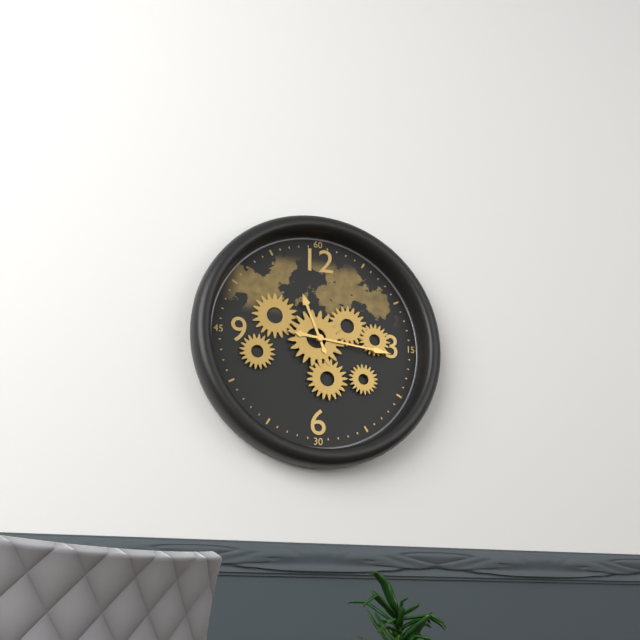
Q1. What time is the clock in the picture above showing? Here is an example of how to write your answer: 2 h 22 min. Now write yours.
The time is 11 h 16 min
